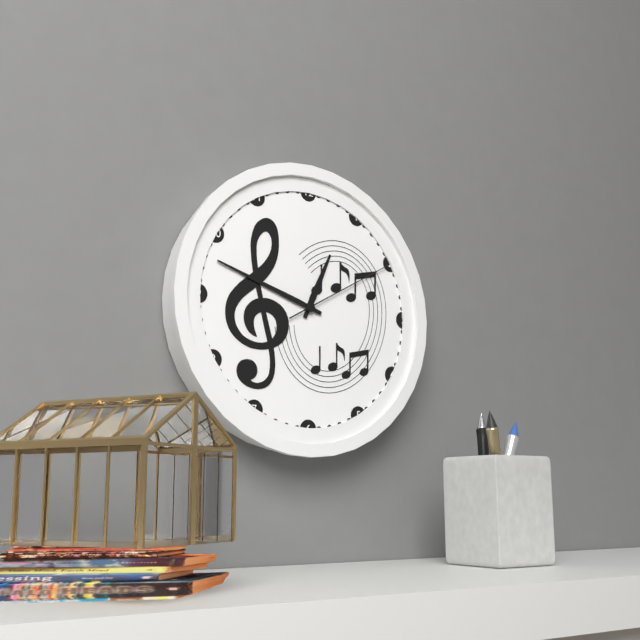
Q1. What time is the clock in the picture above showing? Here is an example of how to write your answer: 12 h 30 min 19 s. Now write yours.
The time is 12 h 48 min 10 s
